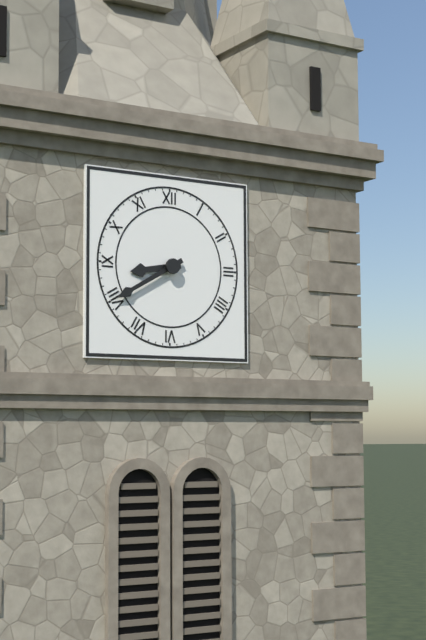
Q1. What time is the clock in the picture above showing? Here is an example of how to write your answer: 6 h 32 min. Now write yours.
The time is 8 h 40 min
